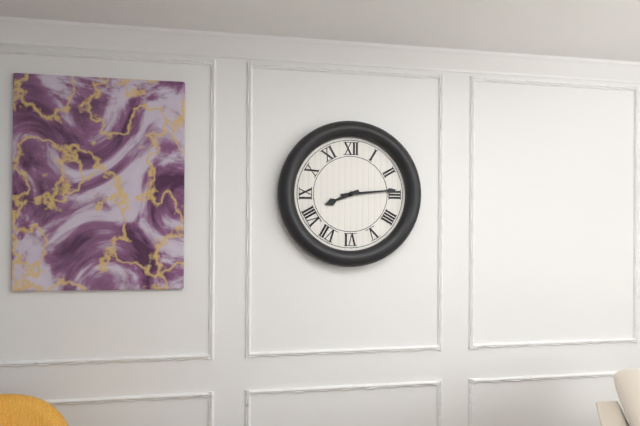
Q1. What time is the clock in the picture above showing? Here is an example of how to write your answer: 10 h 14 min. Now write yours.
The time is 8 h 14 min
